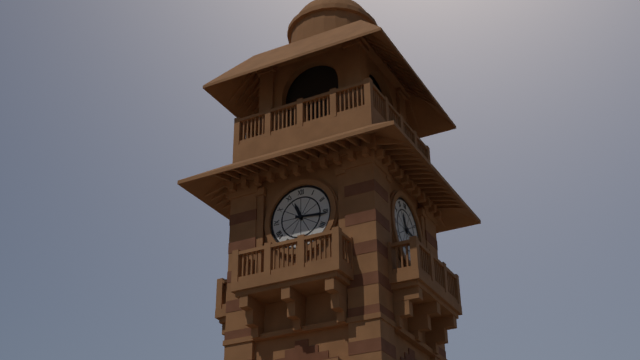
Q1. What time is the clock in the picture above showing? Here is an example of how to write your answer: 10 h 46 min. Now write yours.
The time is 11 h 16 min
